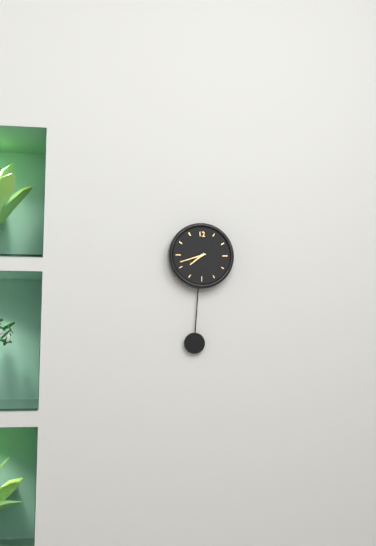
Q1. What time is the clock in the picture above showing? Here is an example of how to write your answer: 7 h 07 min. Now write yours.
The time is 7 h 42 min
